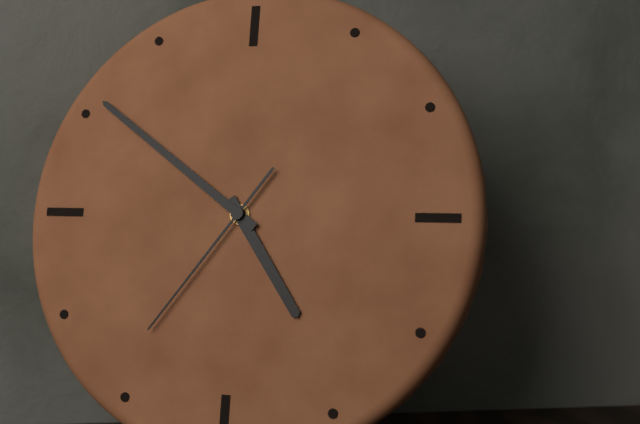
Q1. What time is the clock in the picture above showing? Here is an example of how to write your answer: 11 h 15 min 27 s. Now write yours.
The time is 4 h 51 min 36 s
